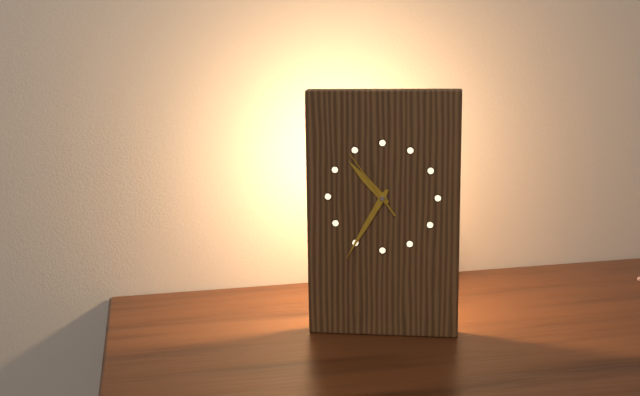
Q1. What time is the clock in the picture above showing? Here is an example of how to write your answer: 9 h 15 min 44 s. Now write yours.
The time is 10 h 35 min 54 s
